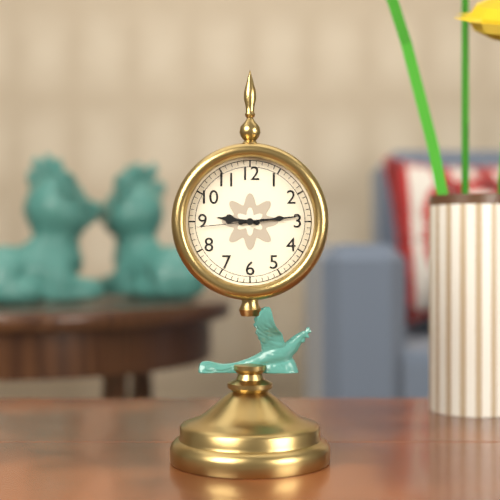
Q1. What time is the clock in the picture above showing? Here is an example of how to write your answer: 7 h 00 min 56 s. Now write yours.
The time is 9 h 14 min 44 s
